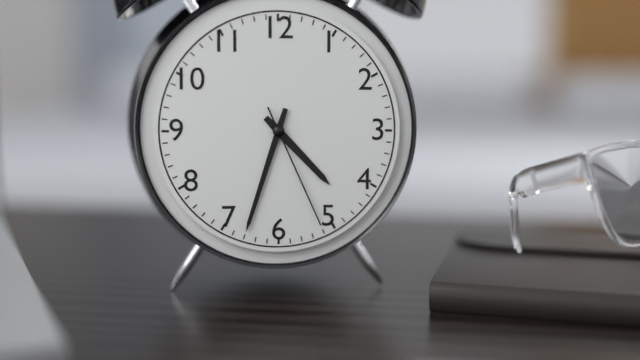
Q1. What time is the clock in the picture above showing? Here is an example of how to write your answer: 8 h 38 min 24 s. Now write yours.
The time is 4 h 33 min 26 s
